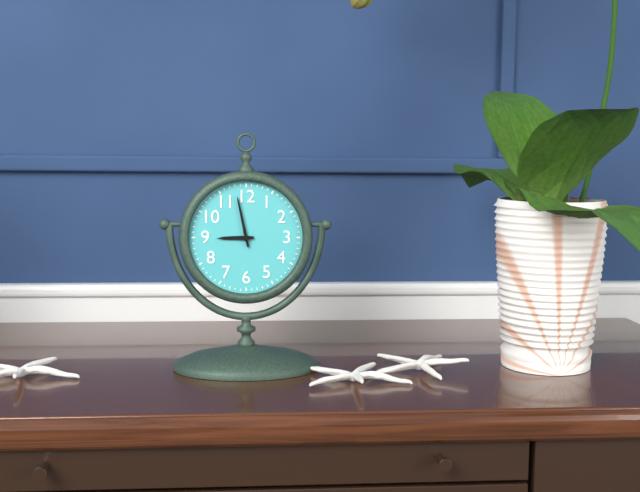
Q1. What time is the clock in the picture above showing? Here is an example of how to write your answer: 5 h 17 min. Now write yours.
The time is 8 h 58 min
